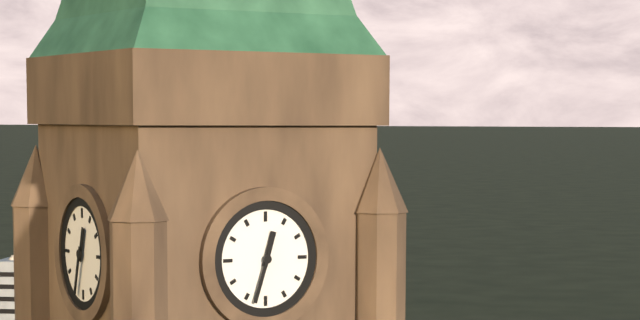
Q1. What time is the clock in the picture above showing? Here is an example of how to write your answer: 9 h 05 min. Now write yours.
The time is 12 h 33 min
